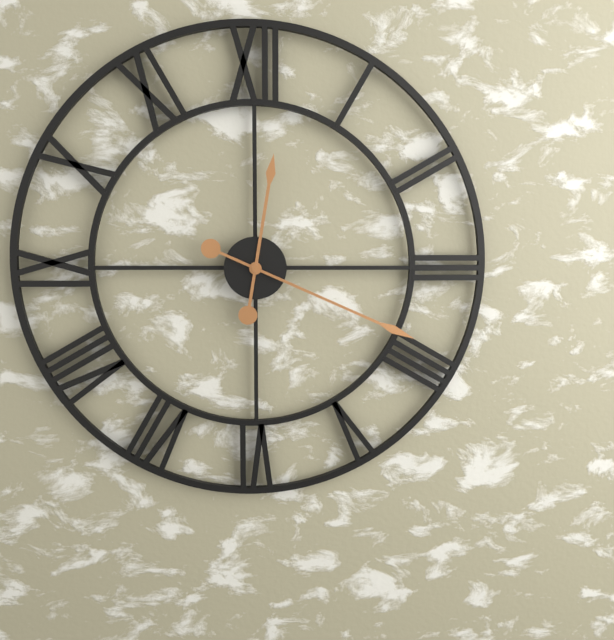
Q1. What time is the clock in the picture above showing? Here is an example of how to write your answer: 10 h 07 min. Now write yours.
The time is 12 h 19 min
